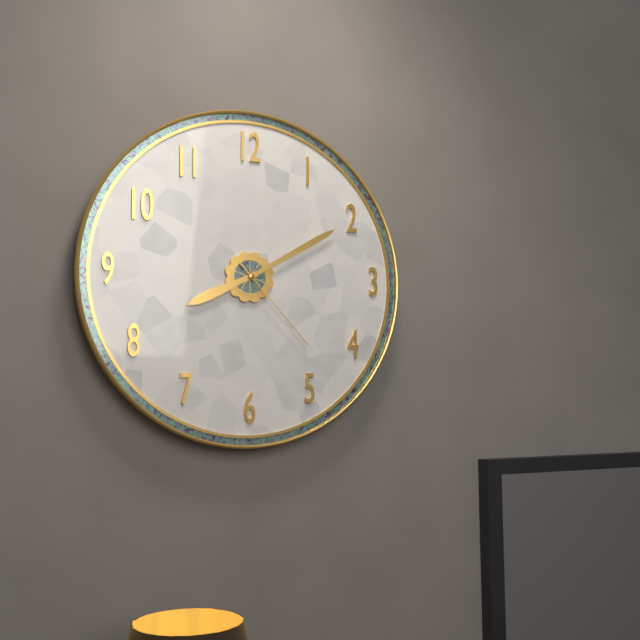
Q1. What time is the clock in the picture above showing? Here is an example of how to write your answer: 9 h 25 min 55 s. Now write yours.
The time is 8 h 10 min 23 s
